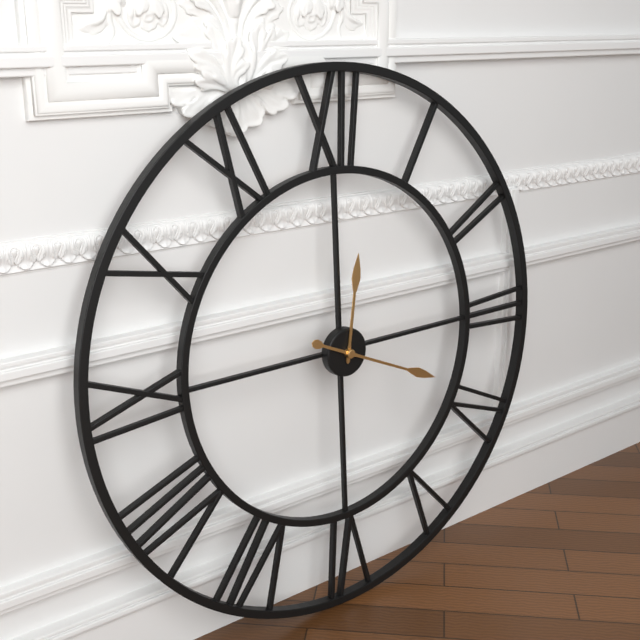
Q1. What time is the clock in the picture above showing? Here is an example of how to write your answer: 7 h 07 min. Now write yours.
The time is 12 h 19 min
